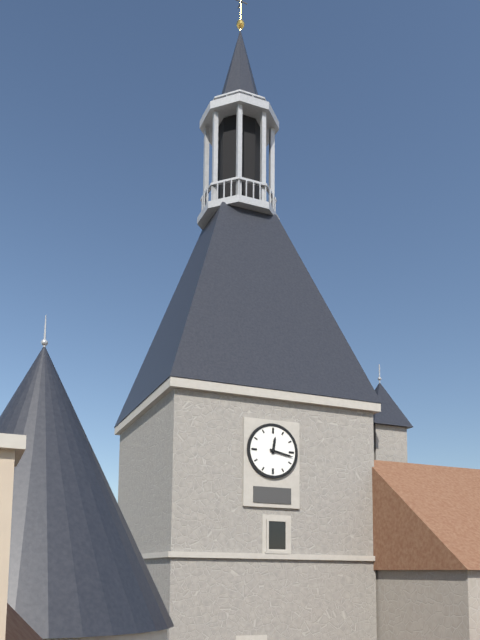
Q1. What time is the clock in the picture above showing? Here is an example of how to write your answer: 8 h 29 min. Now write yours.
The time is 12 h 17 min
